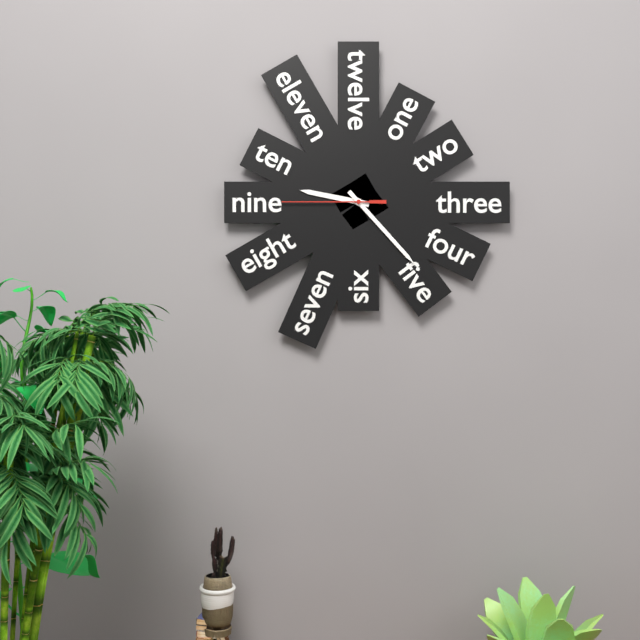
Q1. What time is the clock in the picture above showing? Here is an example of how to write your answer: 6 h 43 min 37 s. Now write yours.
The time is 9 h 23 min 45 s
